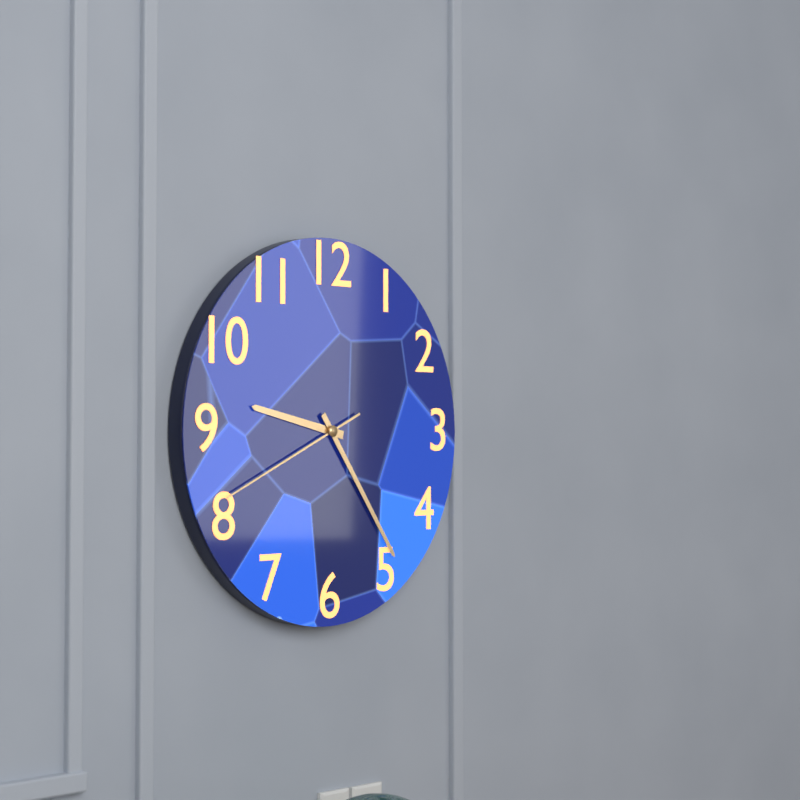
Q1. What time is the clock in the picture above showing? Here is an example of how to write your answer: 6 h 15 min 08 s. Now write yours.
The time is 9 h 24 min 41 s
